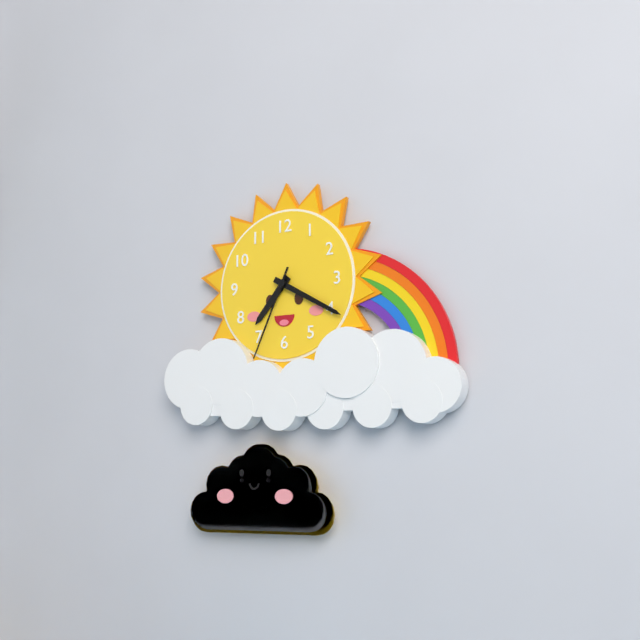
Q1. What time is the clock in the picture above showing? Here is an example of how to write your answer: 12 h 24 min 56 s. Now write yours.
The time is 7 h 20 min 34 s
